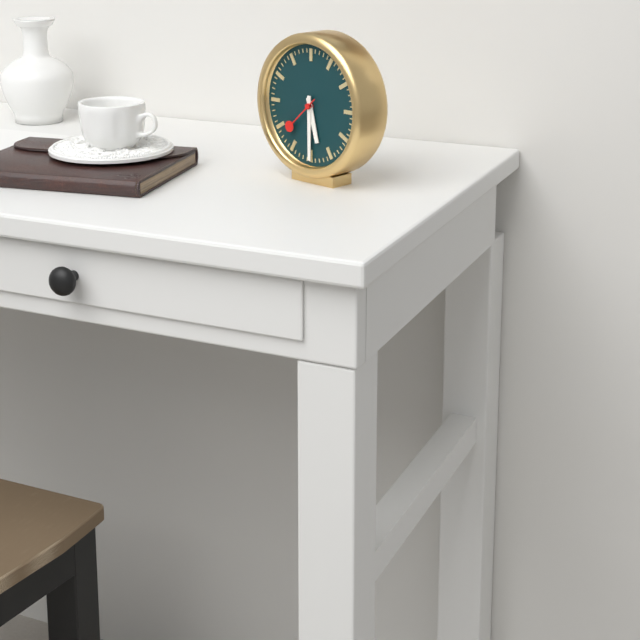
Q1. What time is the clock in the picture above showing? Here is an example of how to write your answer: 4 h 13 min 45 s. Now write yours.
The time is 5 h 30 min 38 s
